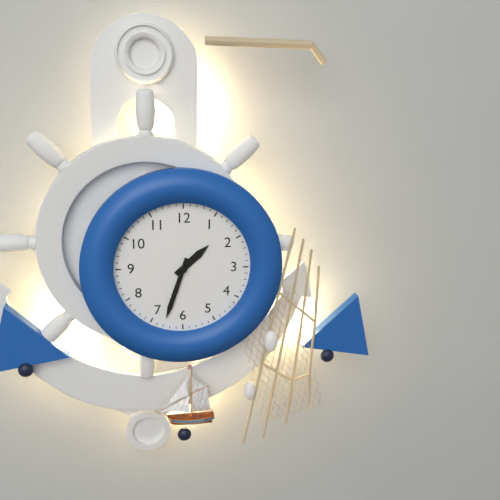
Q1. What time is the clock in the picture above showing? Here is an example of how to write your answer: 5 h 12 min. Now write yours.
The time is 1 h 33 min
